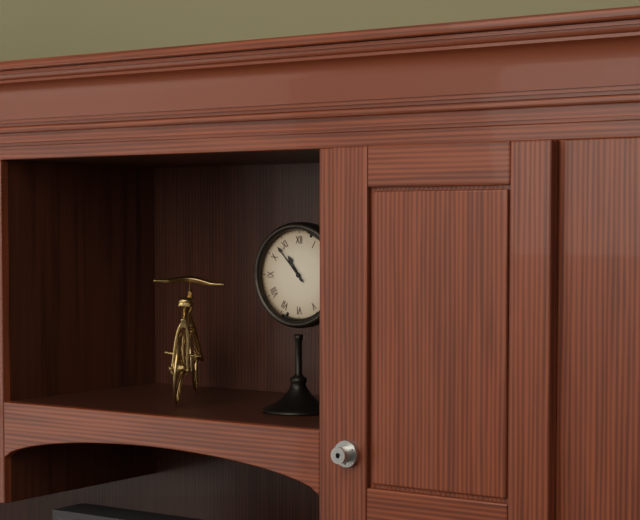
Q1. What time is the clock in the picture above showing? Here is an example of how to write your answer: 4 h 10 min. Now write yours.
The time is 10 h 53 min
